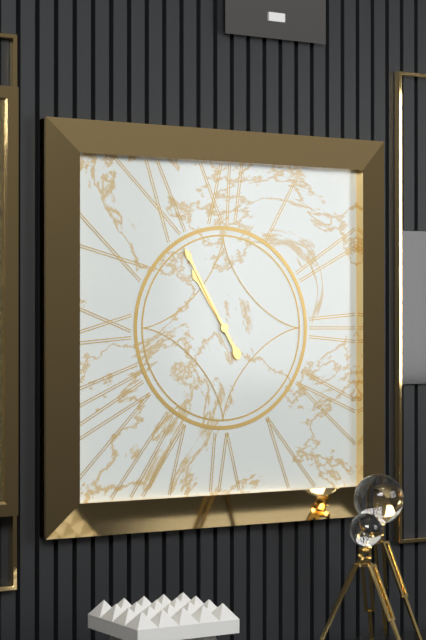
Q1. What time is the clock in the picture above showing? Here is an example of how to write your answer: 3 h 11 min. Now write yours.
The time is 10 h 55 min
